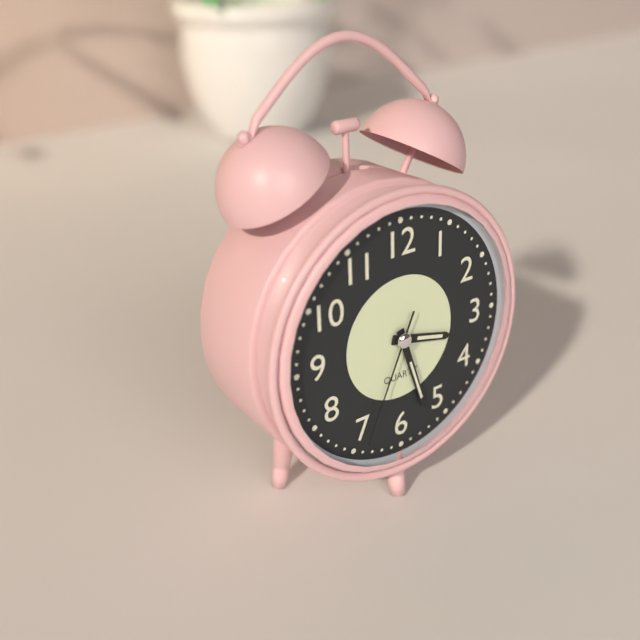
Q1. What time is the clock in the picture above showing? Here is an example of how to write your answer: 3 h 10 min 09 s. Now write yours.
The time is 3 h 27 min 34 s
